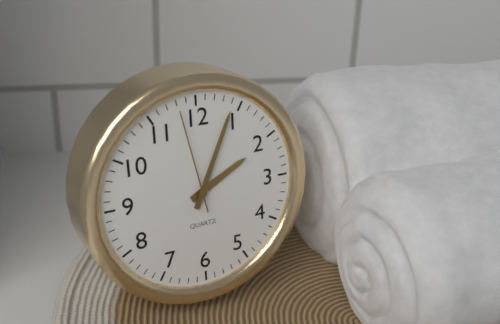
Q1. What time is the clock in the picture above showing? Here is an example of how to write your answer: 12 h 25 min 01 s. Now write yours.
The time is 2 h 04 min 58 s
